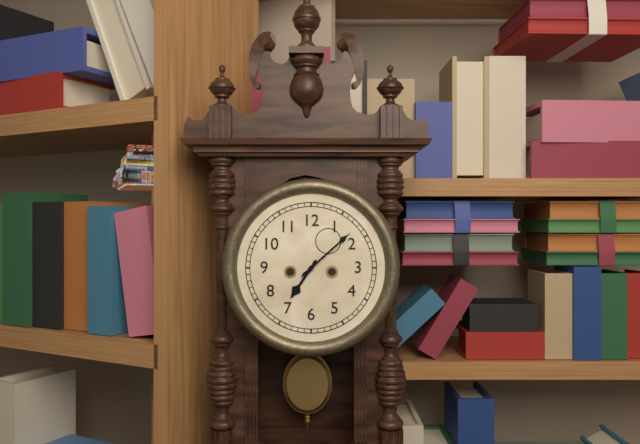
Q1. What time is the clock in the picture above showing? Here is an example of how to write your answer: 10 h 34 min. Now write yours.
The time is 7 h 08 min
